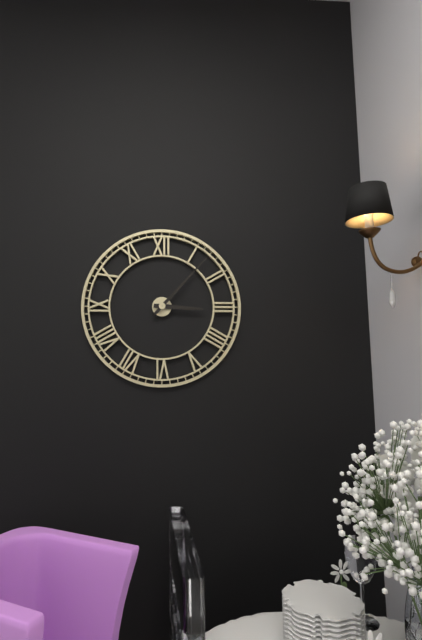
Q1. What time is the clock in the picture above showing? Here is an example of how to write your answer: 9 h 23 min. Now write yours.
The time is 3 h 07 min
